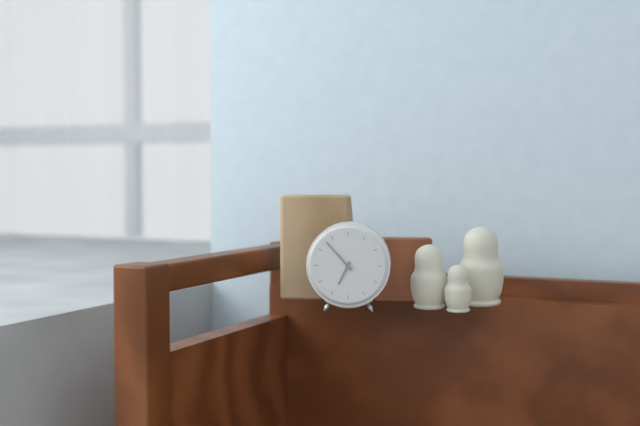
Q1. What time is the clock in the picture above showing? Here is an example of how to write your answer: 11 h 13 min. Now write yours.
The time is 6 h 53 min
